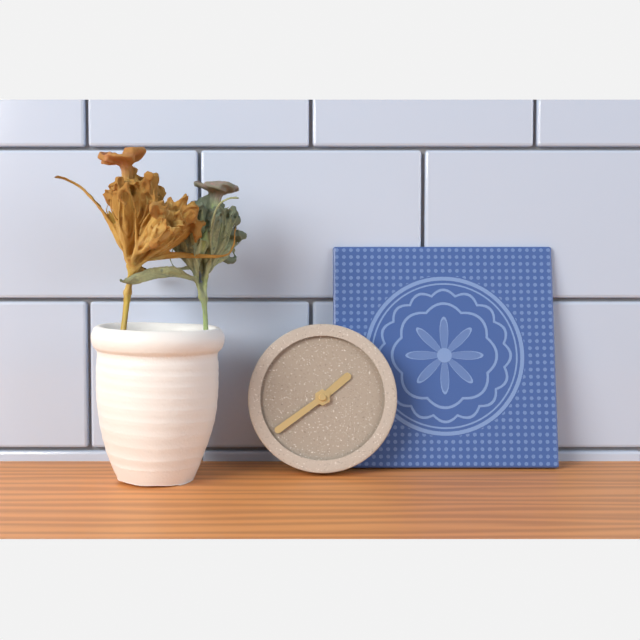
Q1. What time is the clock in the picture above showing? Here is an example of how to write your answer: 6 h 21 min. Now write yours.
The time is 1 h 39 min
